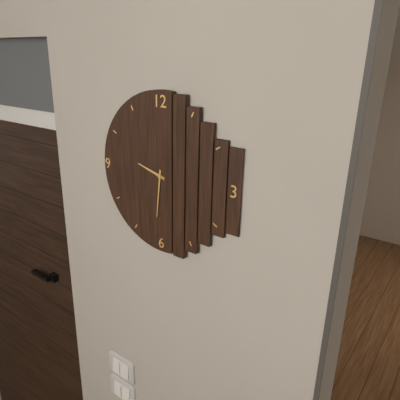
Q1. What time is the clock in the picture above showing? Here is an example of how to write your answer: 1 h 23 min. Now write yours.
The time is 9 h 31 min
